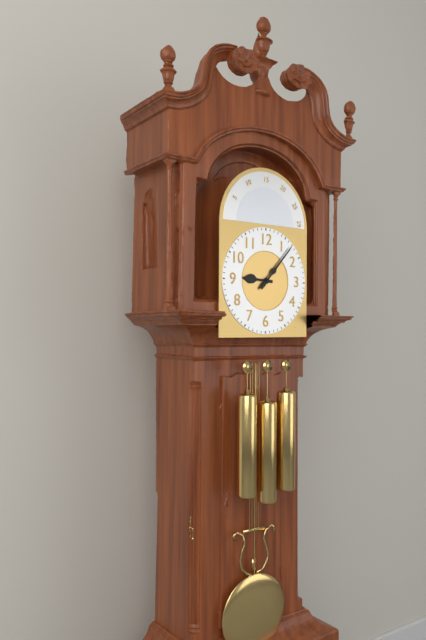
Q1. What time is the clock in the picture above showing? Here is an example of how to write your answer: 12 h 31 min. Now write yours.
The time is 9 h 07 min
